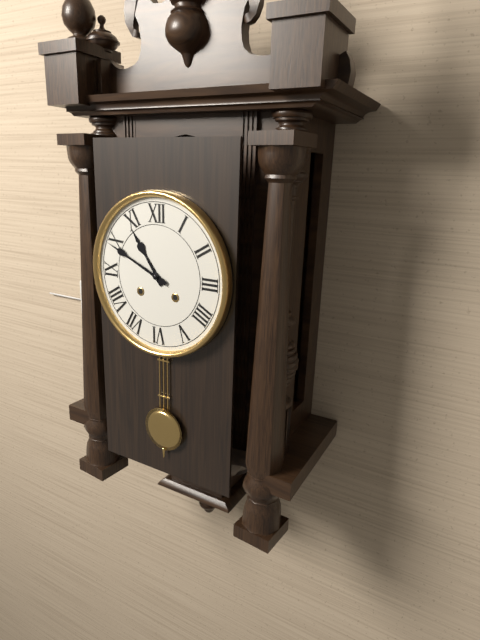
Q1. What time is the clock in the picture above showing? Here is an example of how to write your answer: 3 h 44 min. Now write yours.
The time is 10 h 49 min
